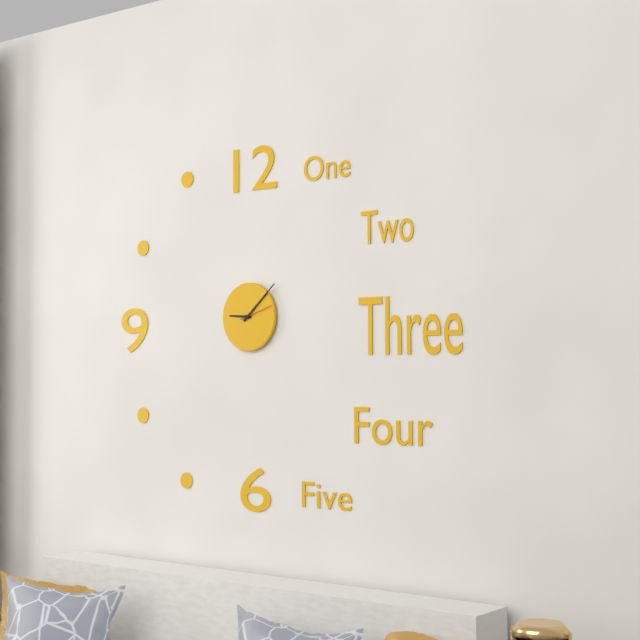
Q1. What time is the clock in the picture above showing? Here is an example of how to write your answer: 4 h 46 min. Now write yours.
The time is 9 h 08 min
